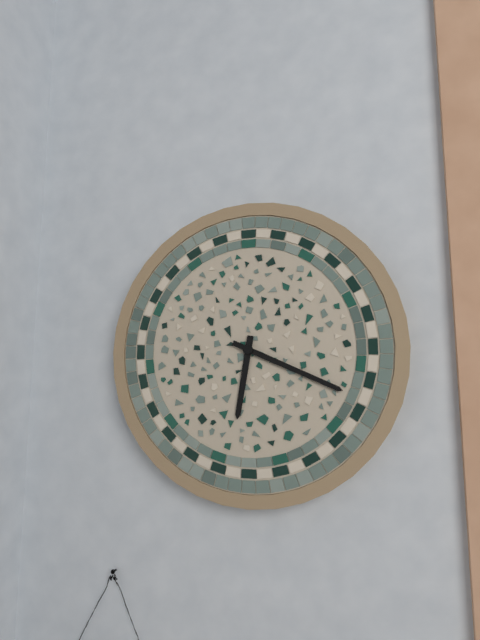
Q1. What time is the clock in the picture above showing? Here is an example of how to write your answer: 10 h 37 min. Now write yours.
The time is 6 h 19 min
